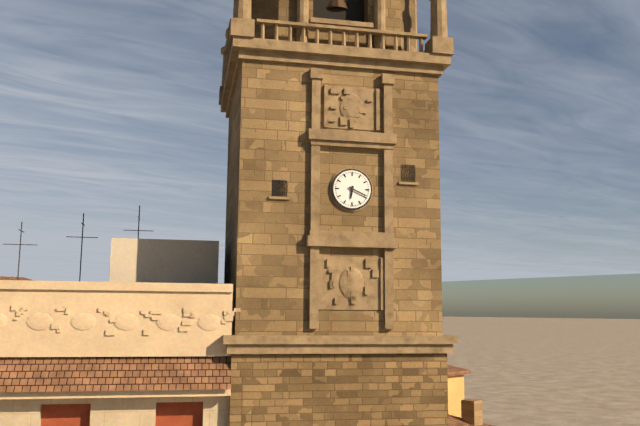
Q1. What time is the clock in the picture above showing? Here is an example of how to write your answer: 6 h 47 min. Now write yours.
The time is 6 h 19 min
